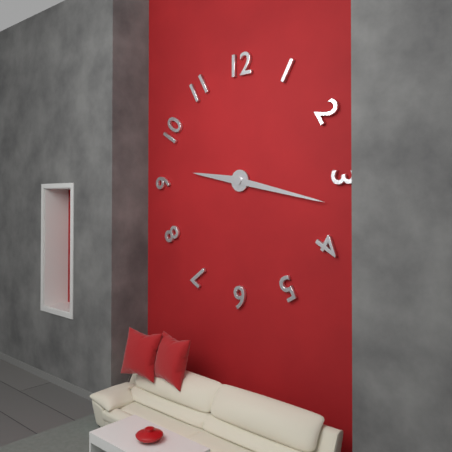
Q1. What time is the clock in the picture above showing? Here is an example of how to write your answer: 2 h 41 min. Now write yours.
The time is 9 h 17 min
